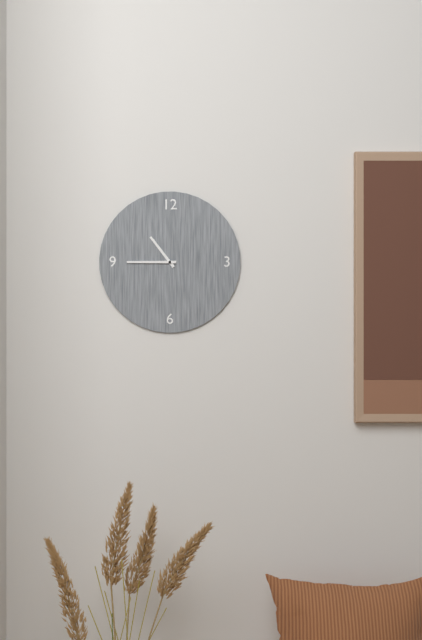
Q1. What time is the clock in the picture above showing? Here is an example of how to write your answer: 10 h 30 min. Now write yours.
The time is 10 h 45 min
